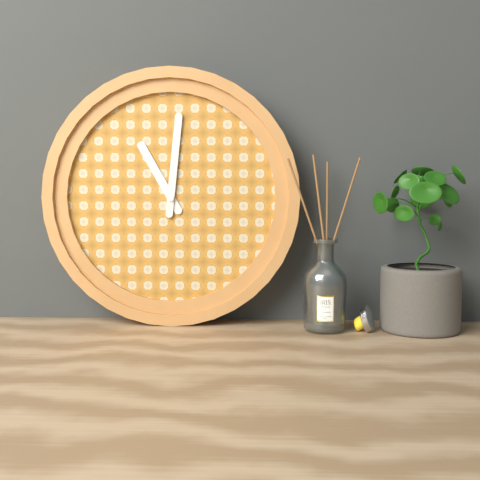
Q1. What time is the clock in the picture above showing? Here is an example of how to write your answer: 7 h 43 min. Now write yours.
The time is 11 h 01 min
